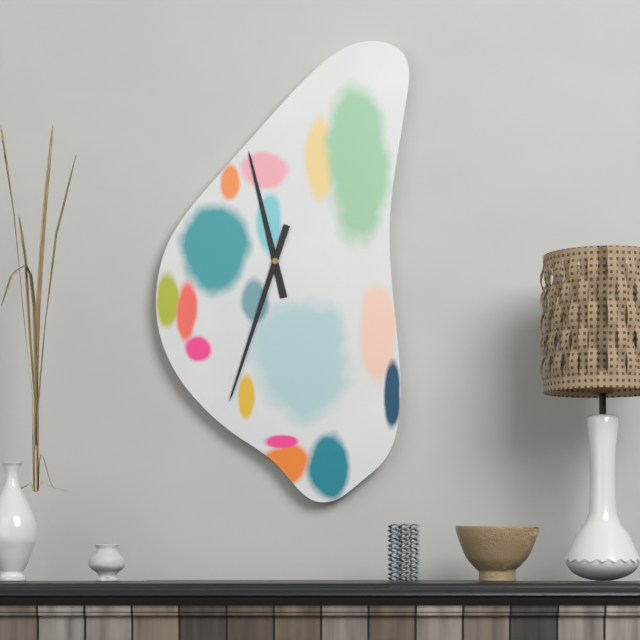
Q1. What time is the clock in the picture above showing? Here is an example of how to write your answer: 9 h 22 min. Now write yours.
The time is 11 h 33 min
